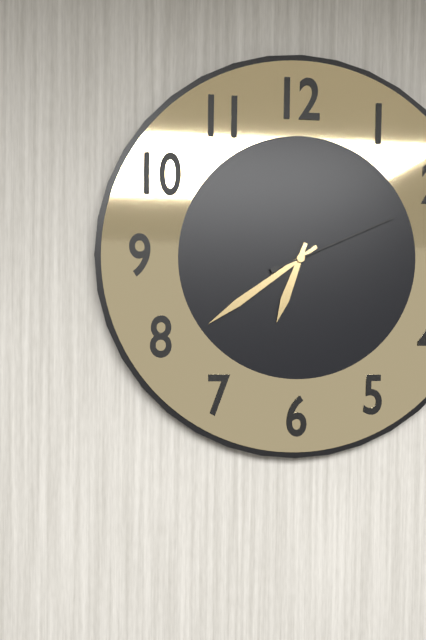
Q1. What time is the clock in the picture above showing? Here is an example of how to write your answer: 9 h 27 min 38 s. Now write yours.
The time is 6 h 39 min 11 s
